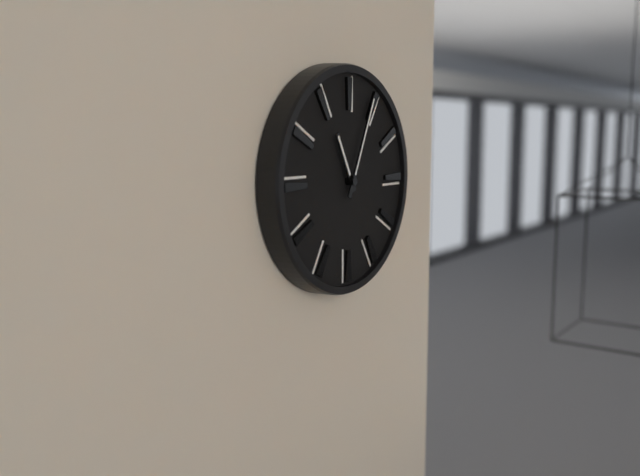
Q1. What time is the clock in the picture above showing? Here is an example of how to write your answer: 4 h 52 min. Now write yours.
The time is 11 h 04 min
